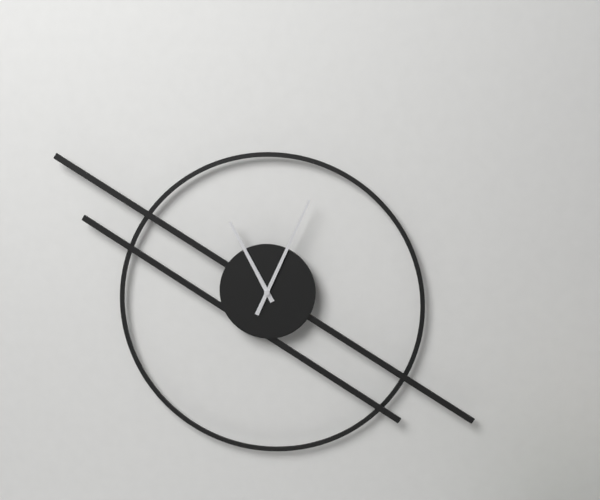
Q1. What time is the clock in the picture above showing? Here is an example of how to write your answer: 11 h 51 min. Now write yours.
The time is 11 h 04 min
